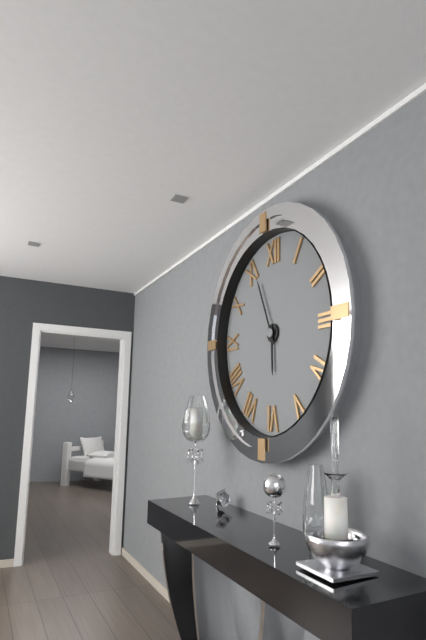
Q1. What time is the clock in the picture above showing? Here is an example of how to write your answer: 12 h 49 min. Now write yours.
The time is 5 h 56 min
